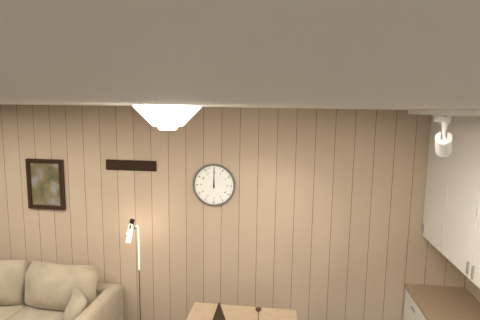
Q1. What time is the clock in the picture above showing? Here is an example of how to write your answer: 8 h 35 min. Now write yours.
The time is 12 h 00 min
